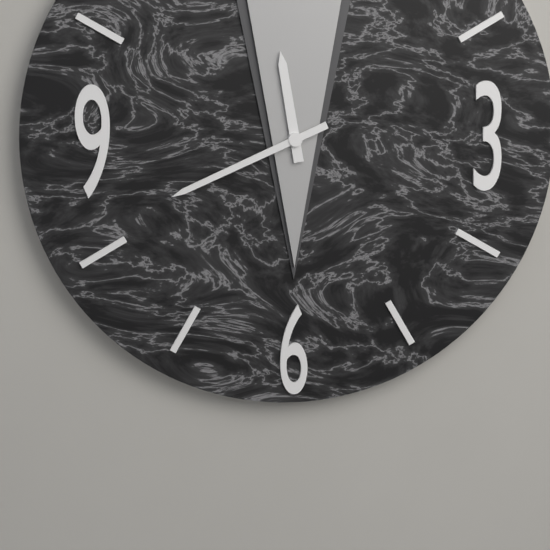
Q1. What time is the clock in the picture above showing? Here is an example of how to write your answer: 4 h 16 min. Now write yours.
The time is 11 h 41 min
